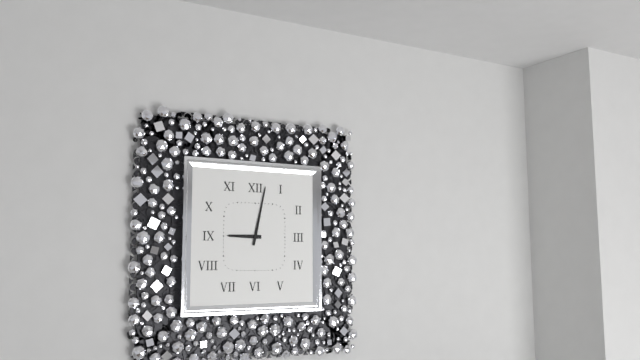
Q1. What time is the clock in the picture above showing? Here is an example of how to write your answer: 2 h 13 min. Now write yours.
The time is 9 h 02 min
